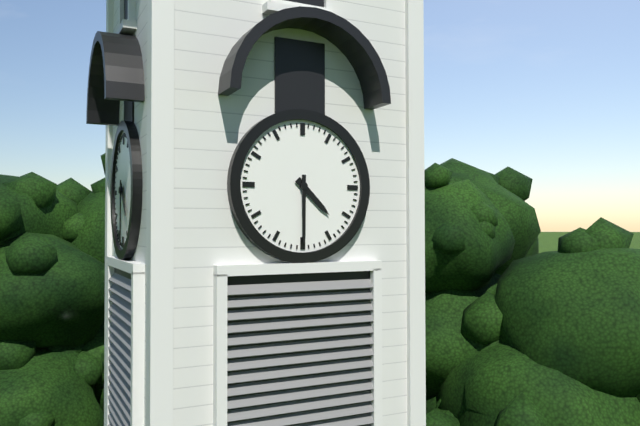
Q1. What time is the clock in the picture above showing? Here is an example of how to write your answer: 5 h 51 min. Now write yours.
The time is 4 h 30 min
